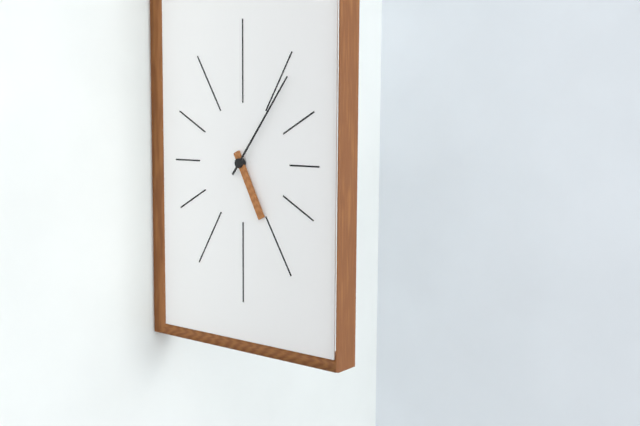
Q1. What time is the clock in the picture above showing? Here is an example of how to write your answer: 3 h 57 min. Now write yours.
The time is 5 h 06 min
